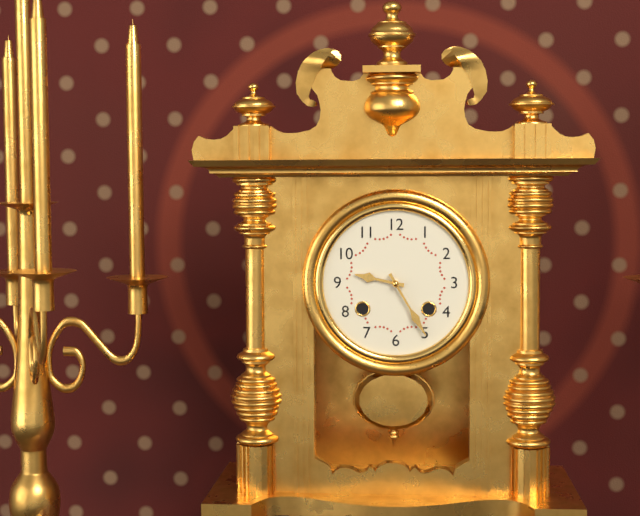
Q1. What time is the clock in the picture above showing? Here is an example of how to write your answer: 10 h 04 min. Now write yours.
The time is 9 h 25 min
